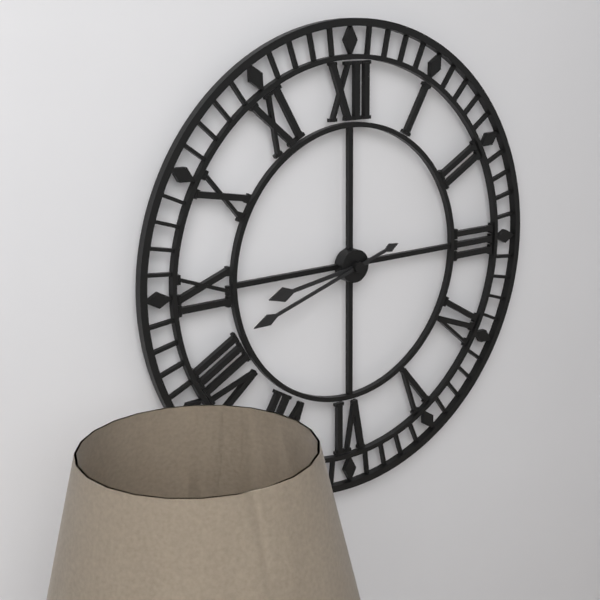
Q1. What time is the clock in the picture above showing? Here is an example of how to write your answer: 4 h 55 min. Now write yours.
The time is 8 h 42 min
